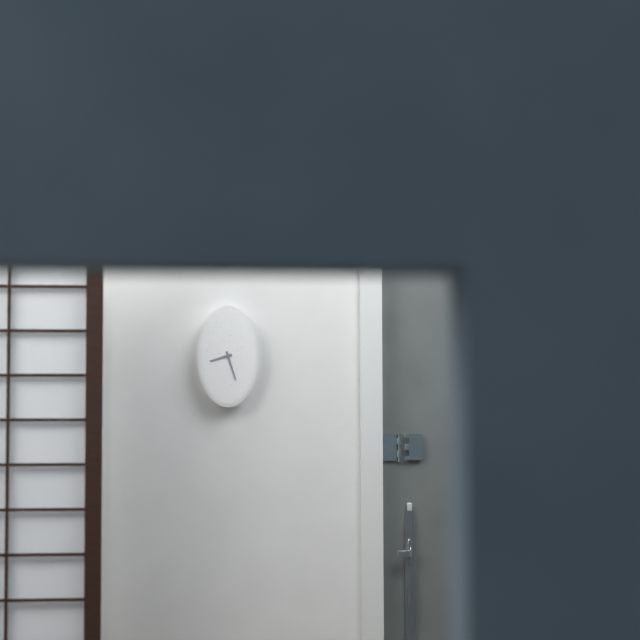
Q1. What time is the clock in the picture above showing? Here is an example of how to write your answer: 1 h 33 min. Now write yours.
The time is 8 h 27 min
